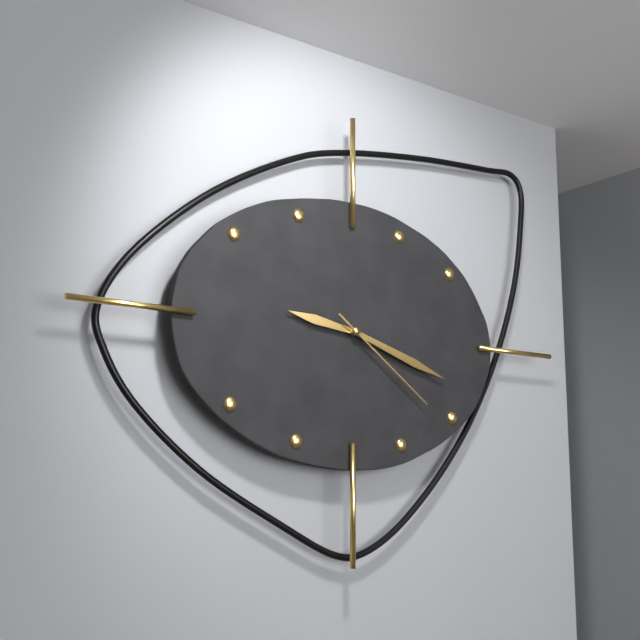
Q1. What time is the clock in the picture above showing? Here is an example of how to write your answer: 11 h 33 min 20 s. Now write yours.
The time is 9 h 18 min 21 s
